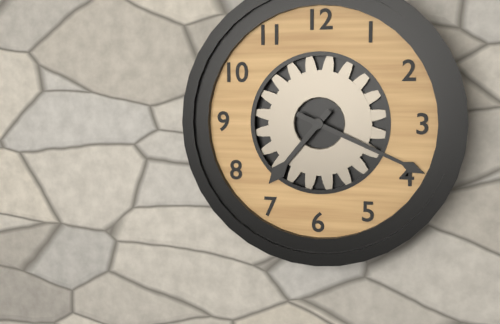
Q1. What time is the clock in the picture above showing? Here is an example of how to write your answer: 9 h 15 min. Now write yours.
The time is 7 h 19 min
